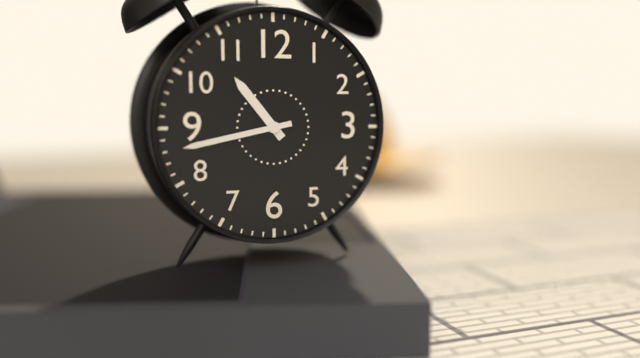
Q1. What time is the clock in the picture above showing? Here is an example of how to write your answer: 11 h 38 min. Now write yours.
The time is 10 h 43 min
